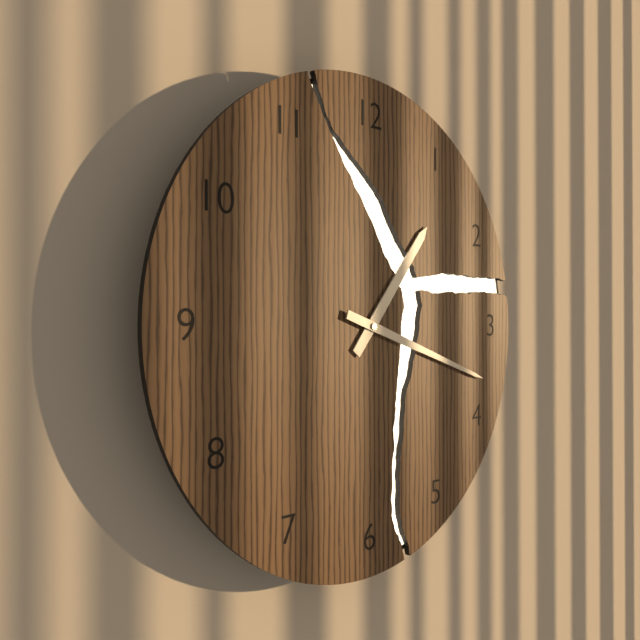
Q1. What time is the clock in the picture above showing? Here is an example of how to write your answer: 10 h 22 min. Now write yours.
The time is 1 h 18 min
